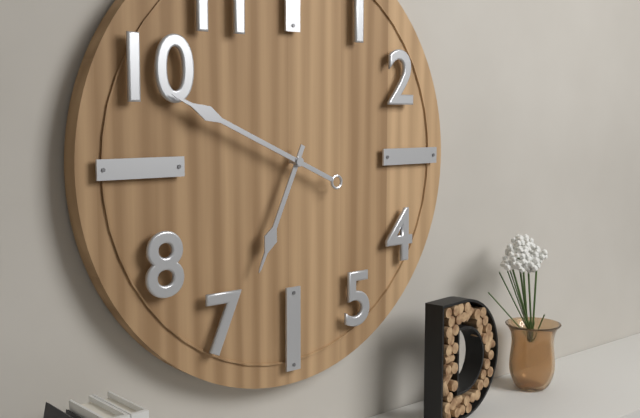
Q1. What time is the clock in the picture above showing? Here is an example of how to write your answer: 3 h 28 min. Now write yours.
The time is 6 h 49 min
